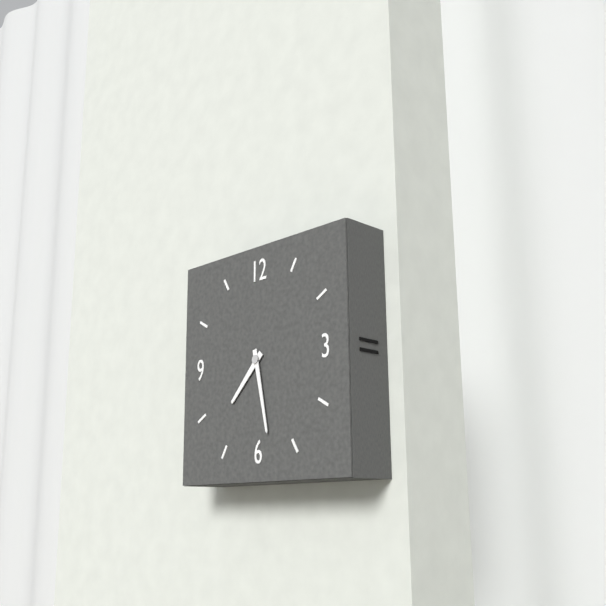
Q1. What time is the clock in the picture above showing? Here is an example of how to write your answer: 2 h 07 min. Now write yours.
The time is 7 h 28 min
